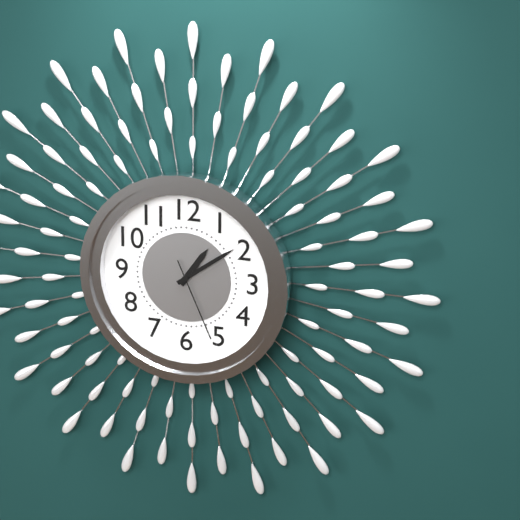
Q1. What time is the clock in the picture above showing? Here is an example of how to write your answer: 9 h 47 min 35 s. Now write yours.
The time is 1 h 09 min 26 s
